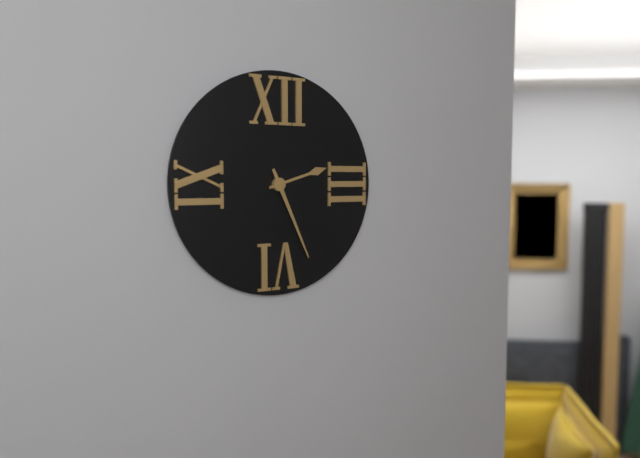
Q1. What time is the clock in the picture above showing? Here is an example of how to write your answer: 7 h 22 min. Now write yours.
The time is 2 h 26 min
